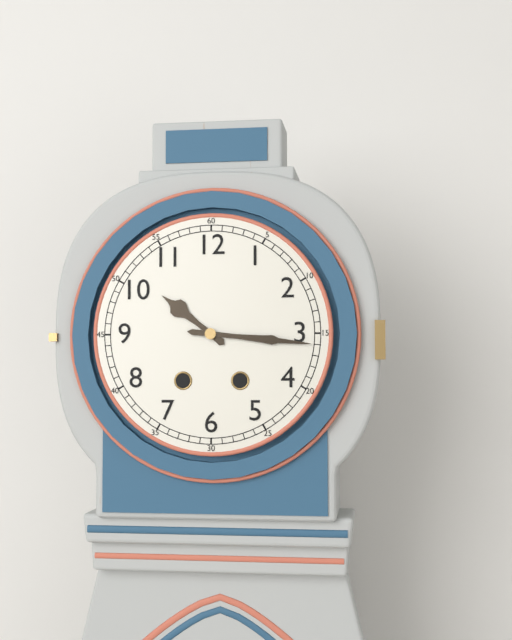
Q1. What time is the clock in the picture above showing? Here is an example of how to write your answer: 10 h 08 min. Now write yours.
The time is 10 h 16 min
